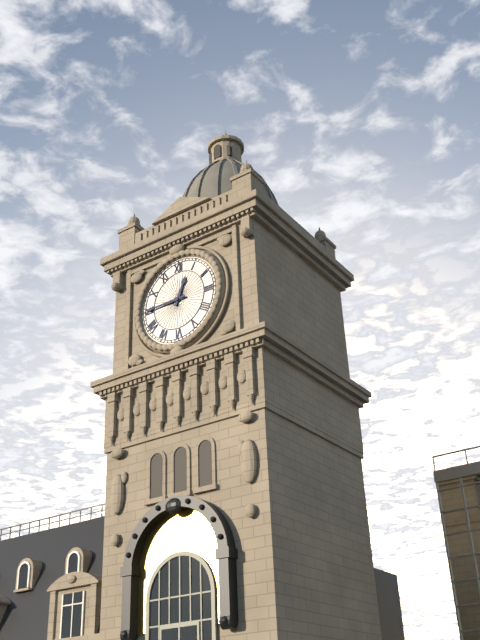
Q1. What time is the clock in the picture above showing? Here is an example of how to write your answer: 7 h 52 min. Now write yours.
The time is 12 h 45 min
